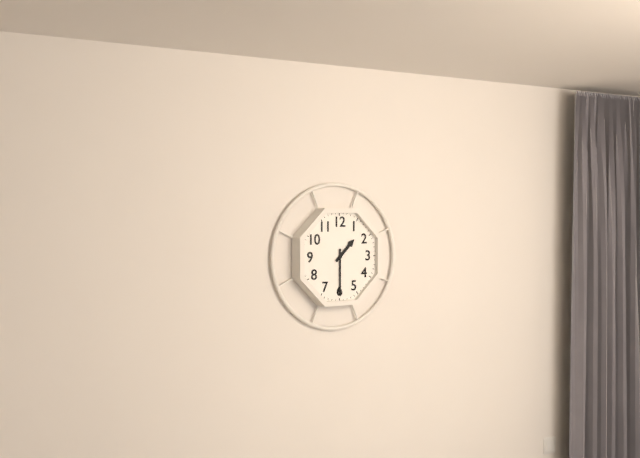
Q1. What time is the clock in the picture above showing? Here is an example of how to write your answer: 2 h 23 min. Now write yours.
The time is 1 h 30 min
